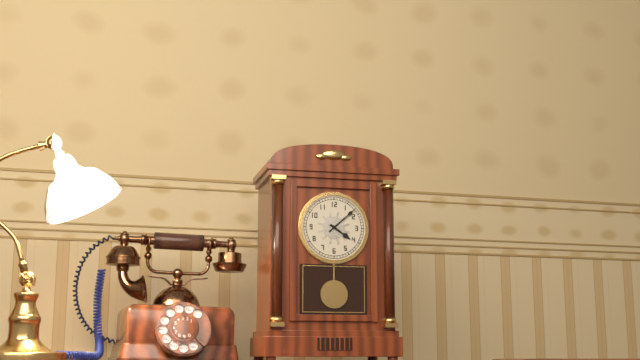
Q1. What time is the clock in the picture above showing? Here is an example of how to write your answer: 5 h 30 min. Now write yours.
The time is 4 h 08 min
